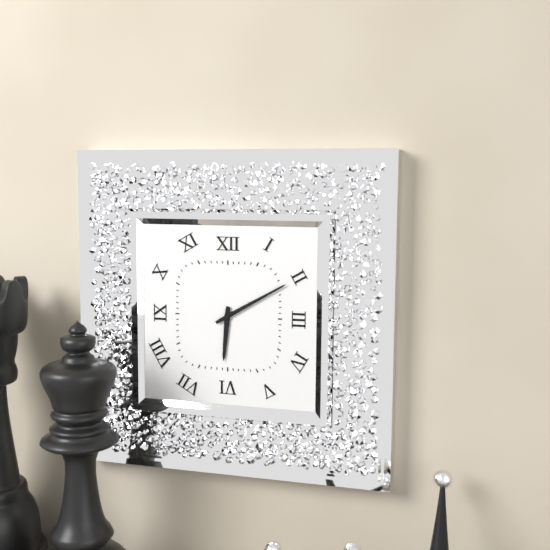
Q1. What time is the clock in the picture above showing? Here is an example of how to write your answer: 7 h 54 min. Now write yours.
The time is 6 h 10 min
